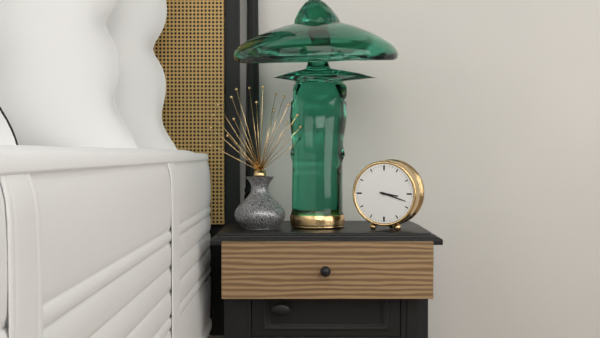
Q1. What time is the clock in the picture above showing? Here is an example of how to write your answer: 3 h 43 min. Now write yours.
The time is 3 h 18 min
